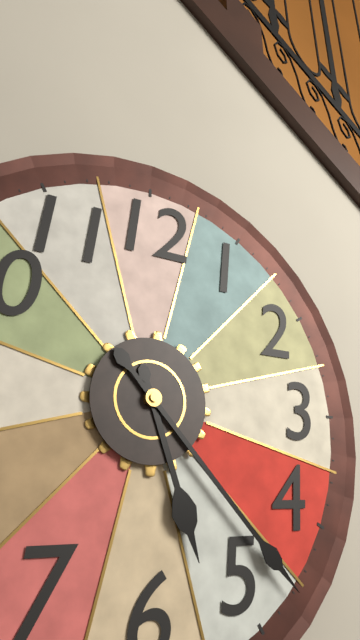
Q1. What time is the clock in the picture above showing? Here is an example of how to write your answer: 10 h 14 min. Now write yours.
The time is 5 h 23 min
